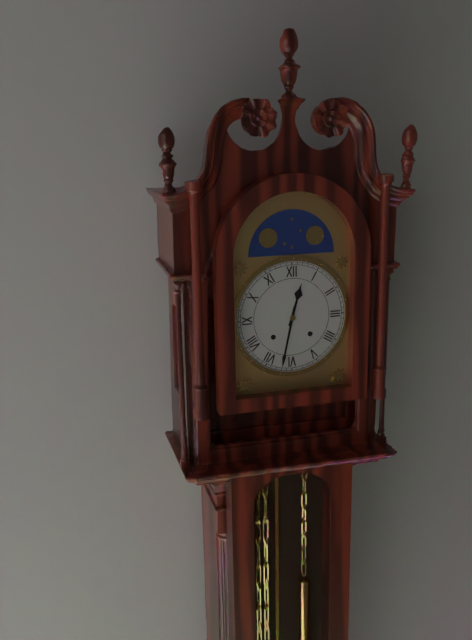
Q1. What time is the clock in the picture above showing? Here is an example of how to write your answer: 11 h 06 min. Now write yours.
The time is 12 h 32 min
